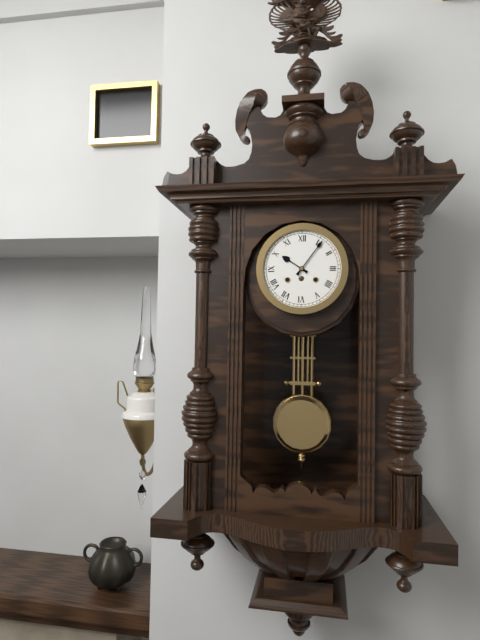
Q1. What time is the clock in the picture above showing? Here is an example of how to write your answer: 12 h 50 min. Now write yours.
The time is 10 h 06 min
